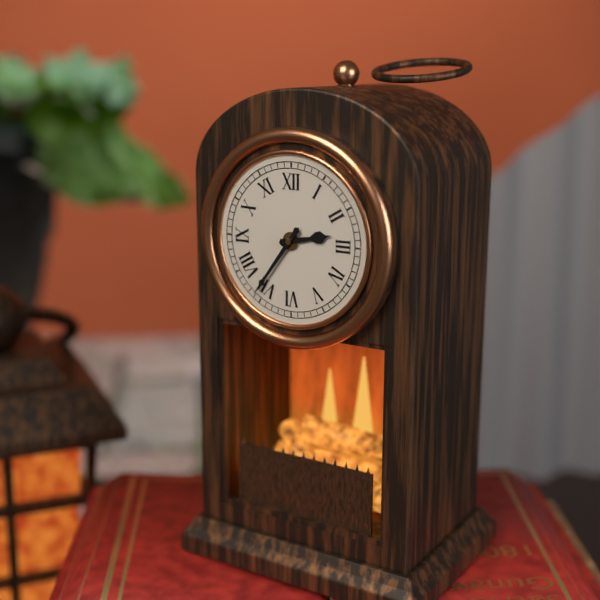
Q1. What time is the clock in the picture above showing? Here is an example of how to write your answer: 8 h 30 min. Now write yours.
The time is 2 h 36 min
